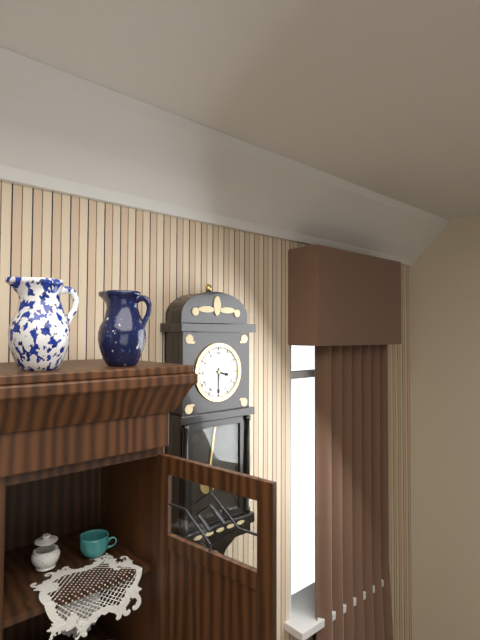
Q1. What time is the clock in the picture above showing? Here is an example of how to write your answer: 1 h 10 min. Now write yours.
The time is 3 h 30 min
